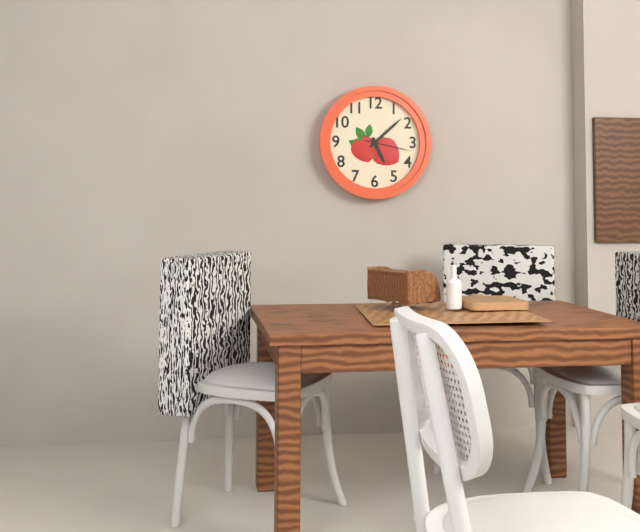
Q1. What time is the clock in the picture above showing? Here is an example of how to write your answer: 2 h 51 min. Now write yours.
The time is 5 h 08 min
